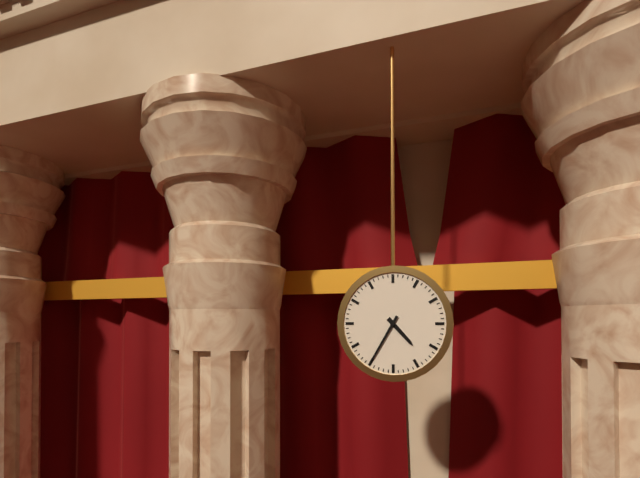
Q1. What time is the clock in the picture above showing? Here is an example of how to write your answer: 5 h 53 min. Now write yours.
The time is 4 h 35 min
